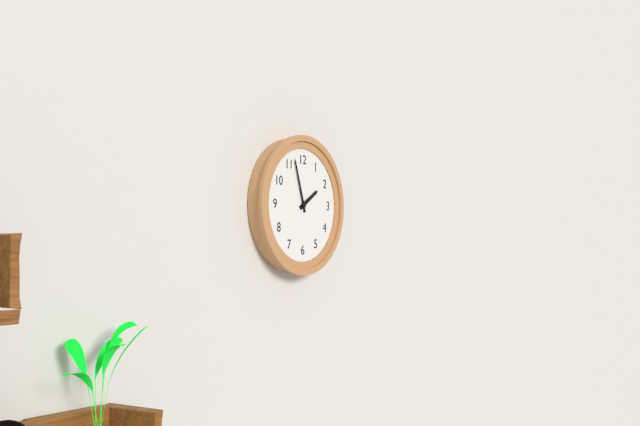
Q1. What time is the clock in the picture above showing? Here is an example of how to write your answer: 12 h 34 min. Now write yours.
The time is 1 h 57 min
